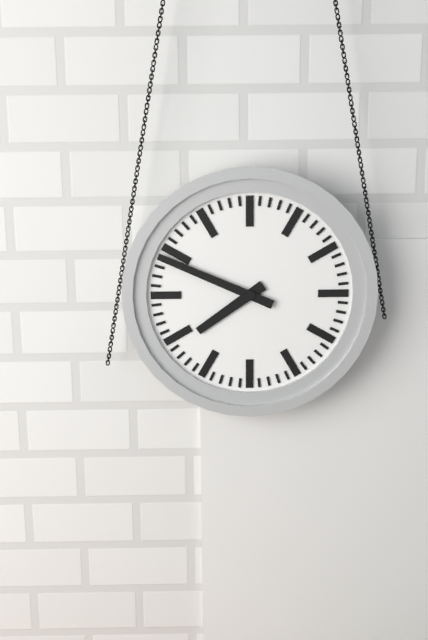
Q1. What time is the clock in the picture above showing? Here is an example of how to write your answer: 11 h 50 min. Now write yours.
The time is 7 h 49 min
